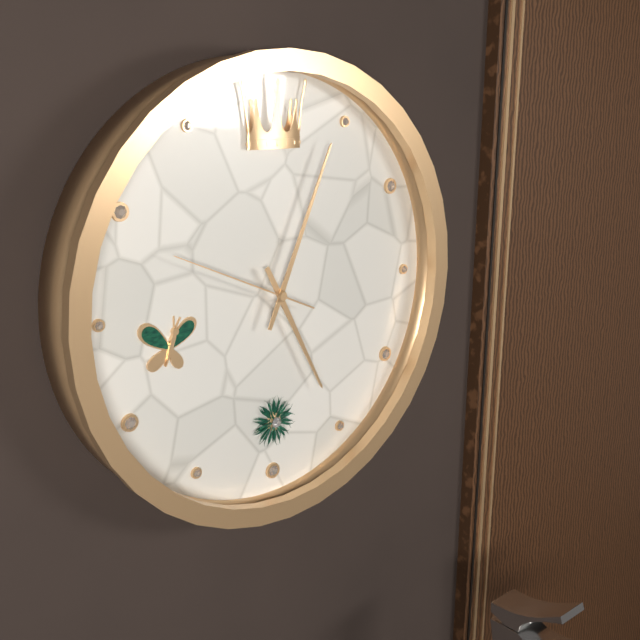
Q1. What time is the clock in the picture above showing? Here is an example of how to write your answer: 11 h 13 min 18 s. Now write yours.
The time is 5 h 04 min 49 s
